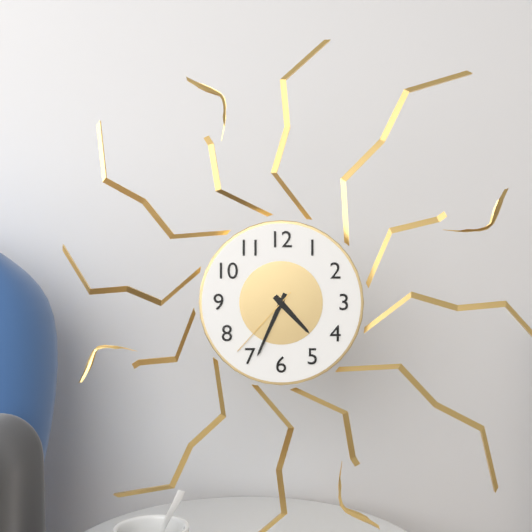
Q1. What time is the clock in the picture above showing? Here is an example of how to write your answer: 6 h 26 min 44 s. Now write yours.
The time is 4 h 34 min 37 s
